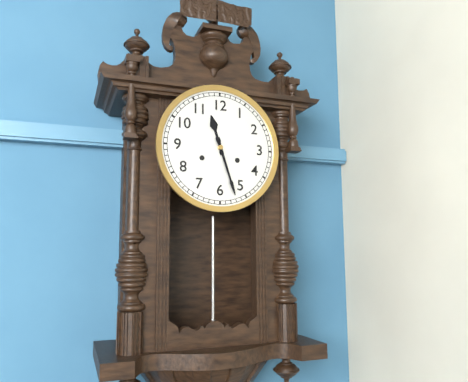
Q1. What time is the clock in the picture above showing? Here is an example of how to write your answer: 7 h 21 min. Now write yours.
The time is 11 h 27 min
